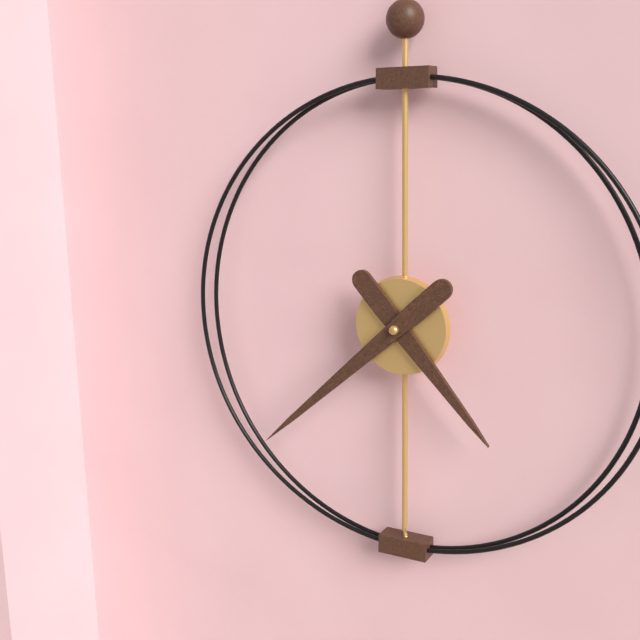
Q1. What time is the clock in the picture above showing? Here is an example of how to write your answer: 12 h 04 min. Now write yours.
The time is 4 h 38 min
